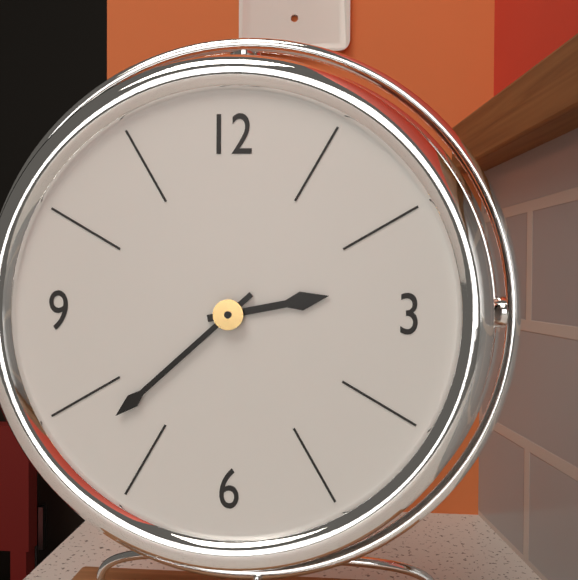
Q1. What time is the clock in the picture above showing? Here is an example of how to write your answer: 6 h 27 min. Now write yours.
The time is 2 h 38 min
